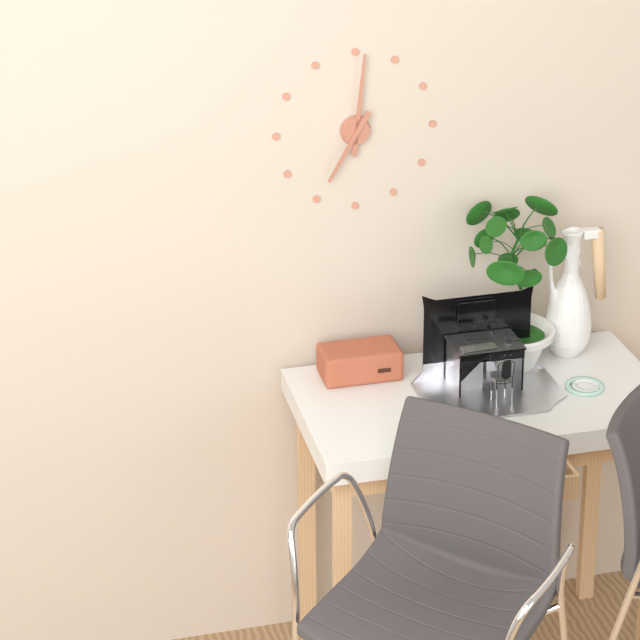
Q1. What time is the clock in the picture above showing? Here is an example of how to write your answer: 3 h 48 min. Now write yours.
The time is 7 h 01 min
